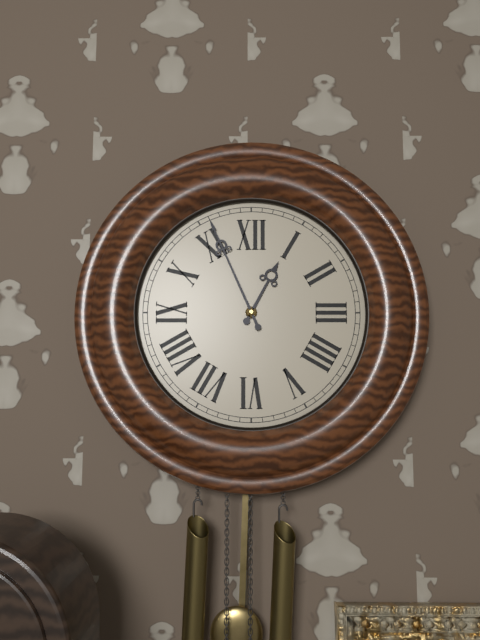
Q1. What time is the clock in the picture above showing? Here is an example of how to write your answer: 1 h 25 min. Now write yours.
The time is 12 h 56 min
